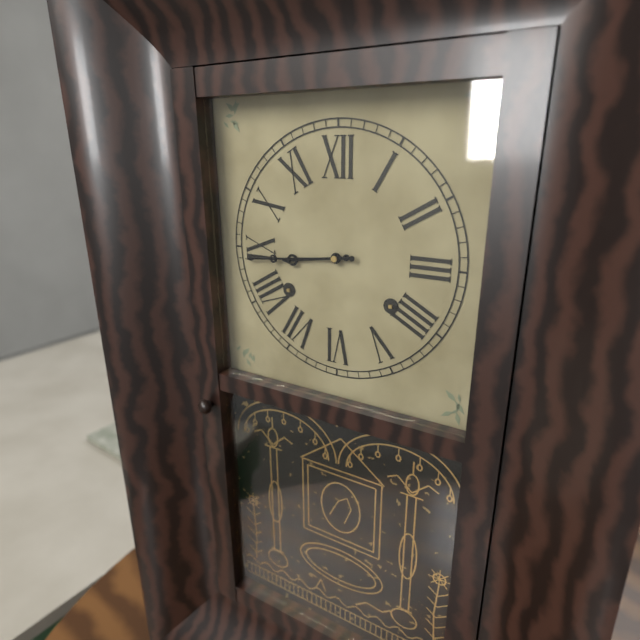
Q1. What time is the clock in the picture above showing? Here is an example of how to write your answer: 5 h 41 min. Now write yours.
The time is 8 h 44 min
